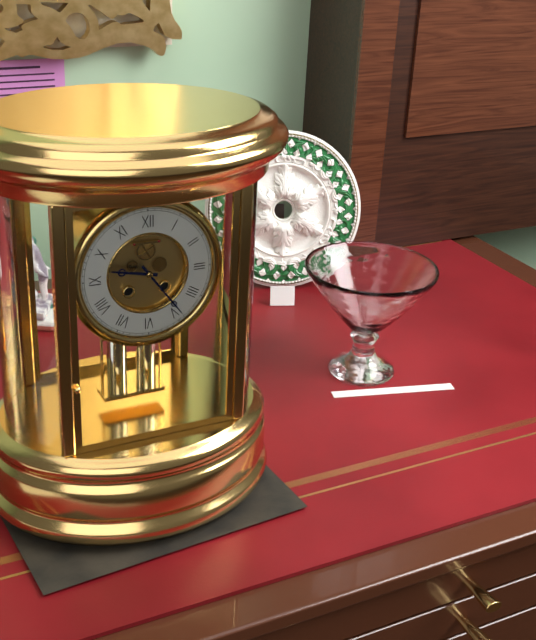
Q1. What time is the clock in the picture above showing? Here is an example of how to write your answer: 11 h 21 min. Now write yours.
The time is 9 h 24 min
